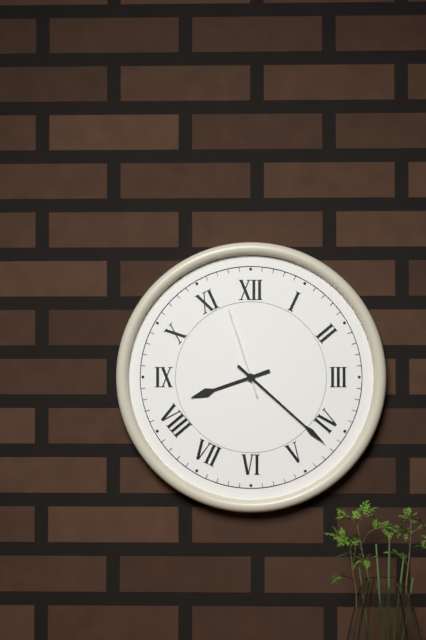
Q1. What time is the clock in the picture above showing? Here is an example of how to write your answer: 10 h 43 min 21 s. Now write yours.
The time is 8 h 22 min 57 s
